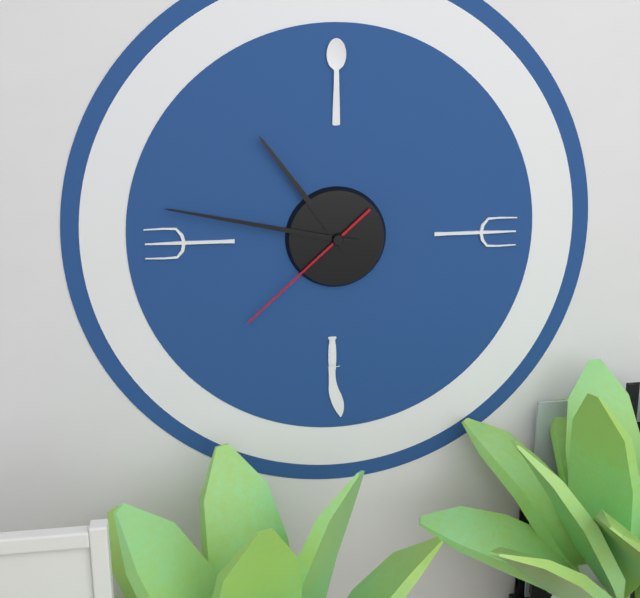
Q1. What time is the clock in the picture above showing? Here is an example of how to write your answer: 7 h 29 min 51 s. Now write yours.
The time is 10 h 47 min 38 s
